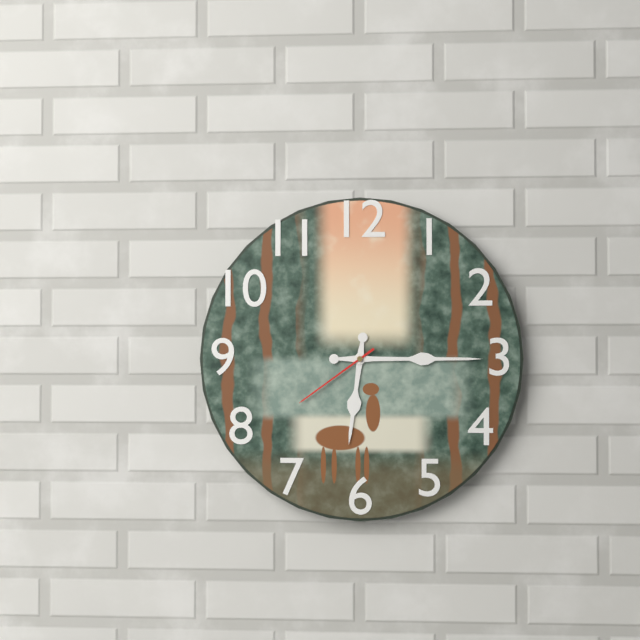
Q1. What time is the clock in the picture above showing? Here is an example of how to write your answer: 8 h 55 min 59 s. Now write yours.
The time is 6 h 15 min 39 s
